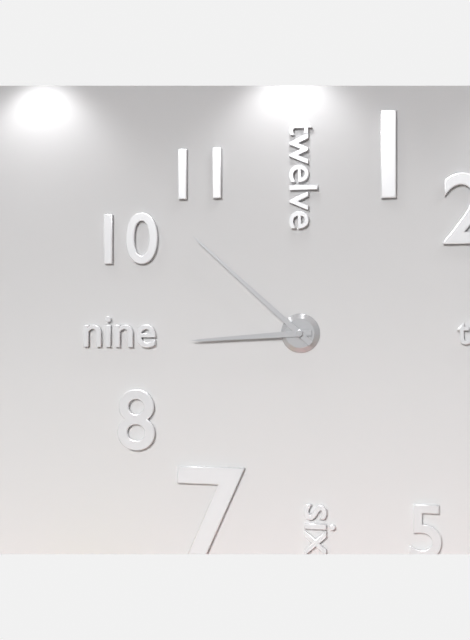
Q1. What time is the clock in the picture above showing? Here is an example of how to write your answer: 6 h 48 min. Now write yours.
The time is 8 h 52 min
